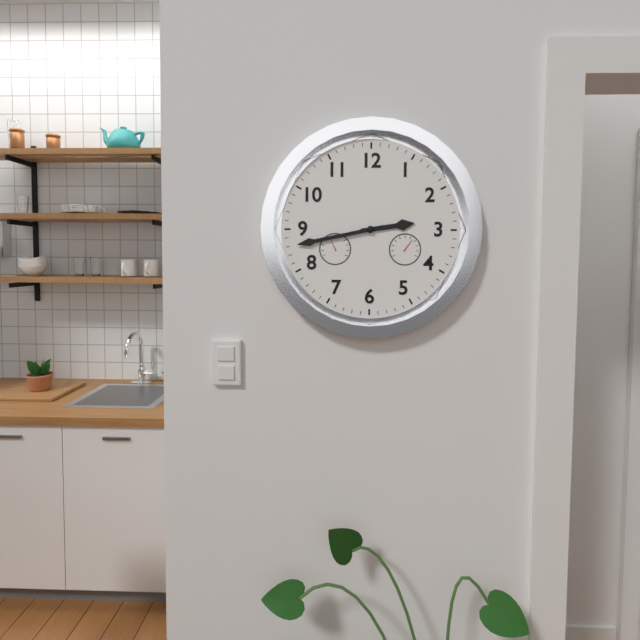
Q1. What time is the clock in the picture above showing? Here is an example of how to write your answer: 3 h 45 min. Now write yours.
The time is 2 h 43 min
